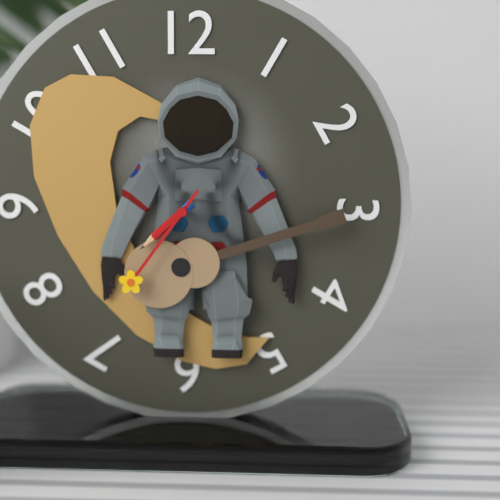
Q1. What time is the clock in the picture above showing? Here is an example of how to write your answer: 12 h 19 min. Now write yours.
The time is 7 h 36 min
